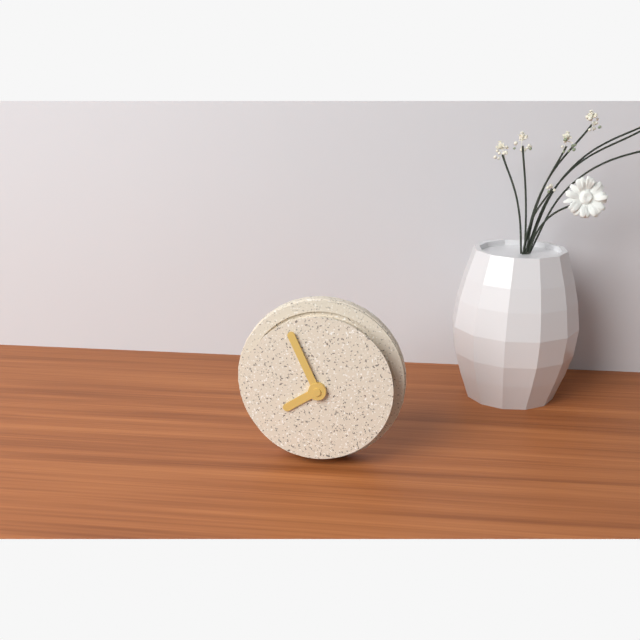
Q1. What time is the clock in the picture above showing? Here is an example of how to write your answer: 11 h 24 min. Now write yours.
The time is 7 h 56 min
